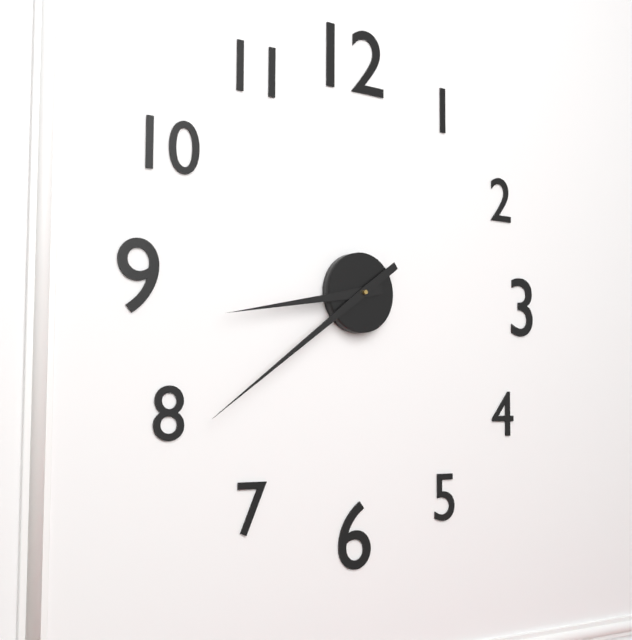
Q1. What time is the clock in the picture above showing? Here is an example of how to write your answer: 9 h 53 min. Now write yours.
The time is 8 h 39 min
